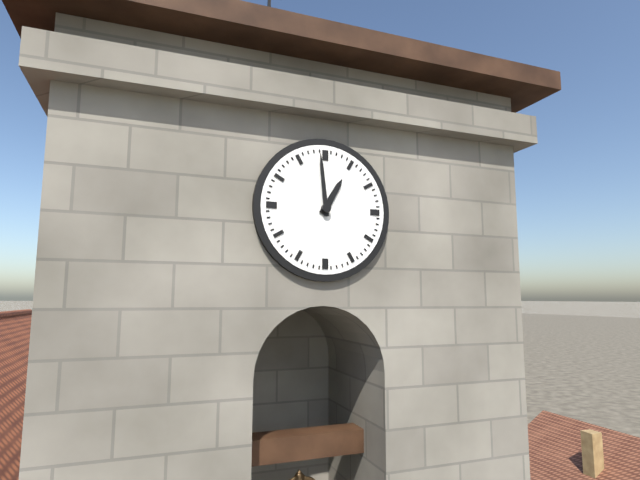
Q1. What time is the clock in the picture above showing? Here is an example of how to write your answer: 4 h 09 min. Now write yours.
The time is 12 h 59 min
